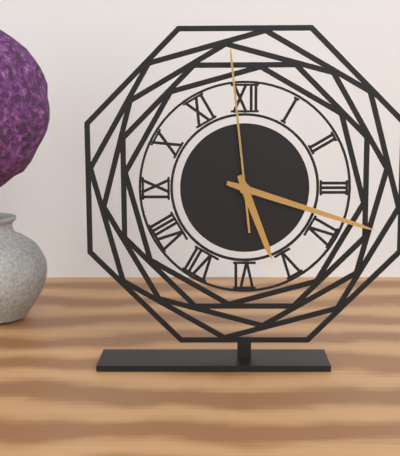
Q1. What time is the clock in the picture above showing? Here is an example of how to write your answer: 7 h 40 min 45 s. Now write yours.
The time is 5 h 18 min 59 s
